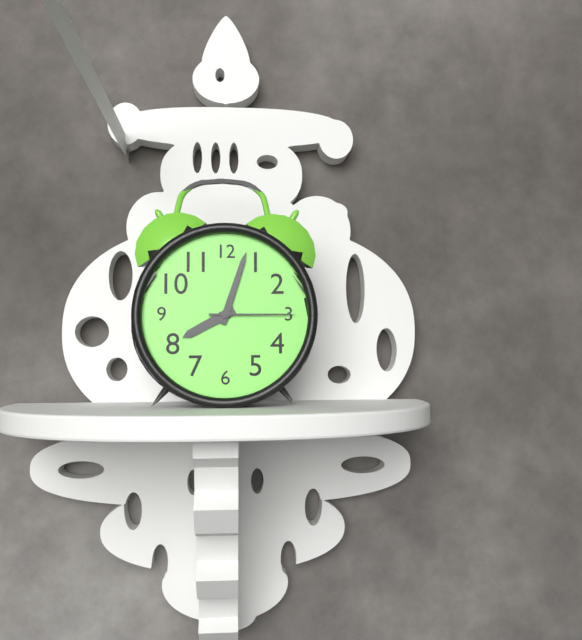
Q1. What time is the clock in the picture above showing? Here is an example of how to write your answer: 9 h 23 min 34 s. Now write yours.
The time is 8 h 03 min 15 s
